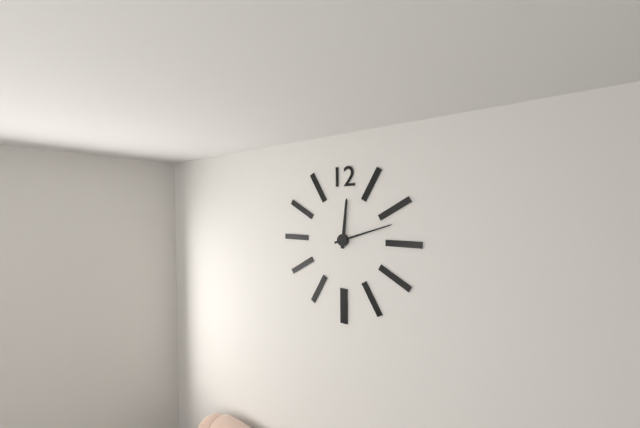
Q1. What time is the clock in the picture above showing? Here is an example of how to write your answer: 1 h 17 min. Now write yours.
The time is 12 h 12 min
